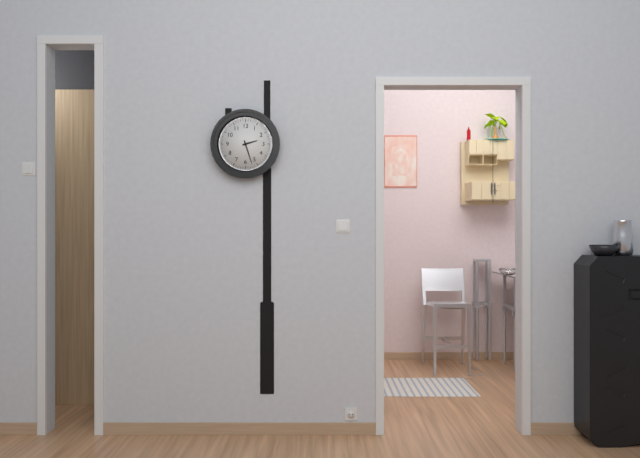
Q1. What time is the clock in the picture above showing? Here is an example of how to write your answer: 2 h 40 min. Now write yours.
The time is 2 h 27 min
